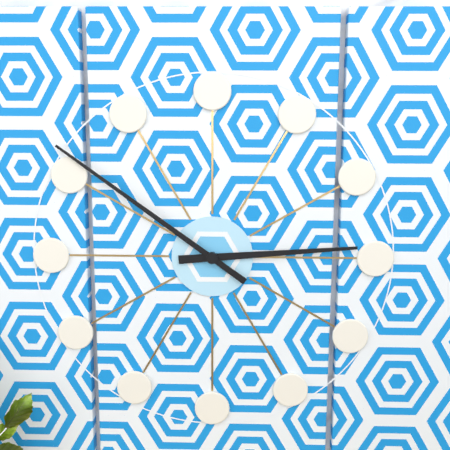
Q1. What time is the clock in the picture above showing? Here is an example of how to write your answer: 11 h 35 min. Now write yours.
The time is 2 h 51 min
